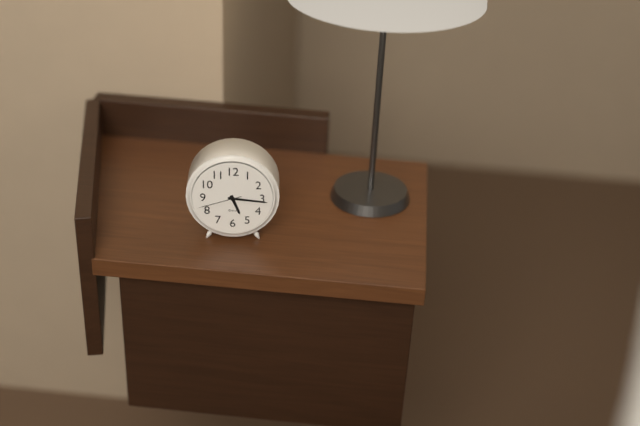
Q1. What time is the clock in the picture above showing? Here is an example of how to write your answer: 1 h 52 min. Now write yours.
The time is 5 h 16 min
